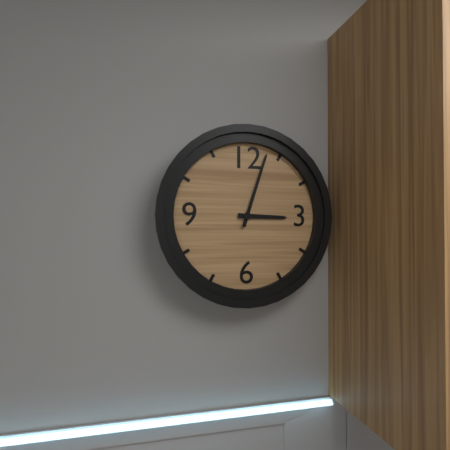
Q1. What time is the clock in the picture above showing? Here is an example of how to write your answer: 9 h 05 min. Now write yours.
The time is 3 h 03 min
